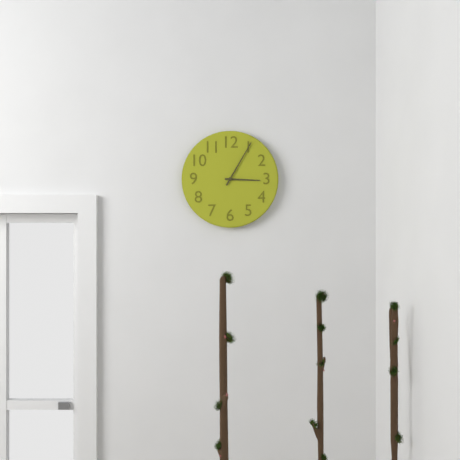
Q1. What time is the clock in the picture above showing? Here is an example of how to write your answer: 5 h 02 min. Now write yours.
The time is 3 h 05 min
